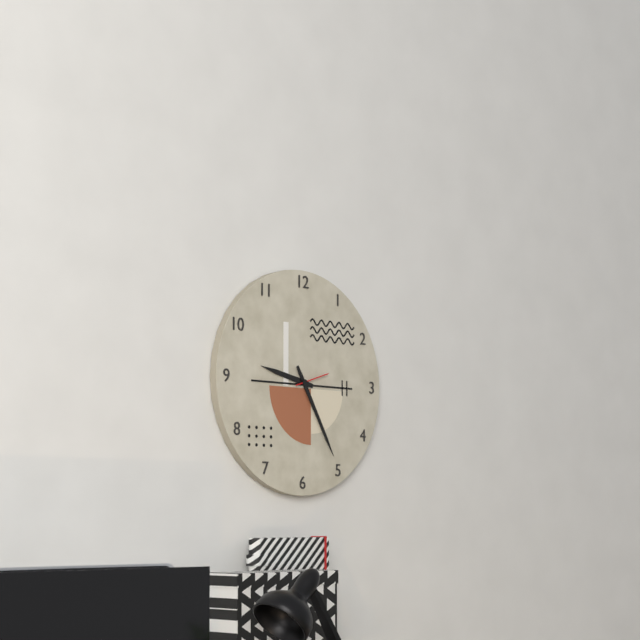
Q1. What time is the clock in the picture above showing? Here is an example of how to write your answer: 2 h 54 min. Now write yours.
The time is 9 h 25 min
